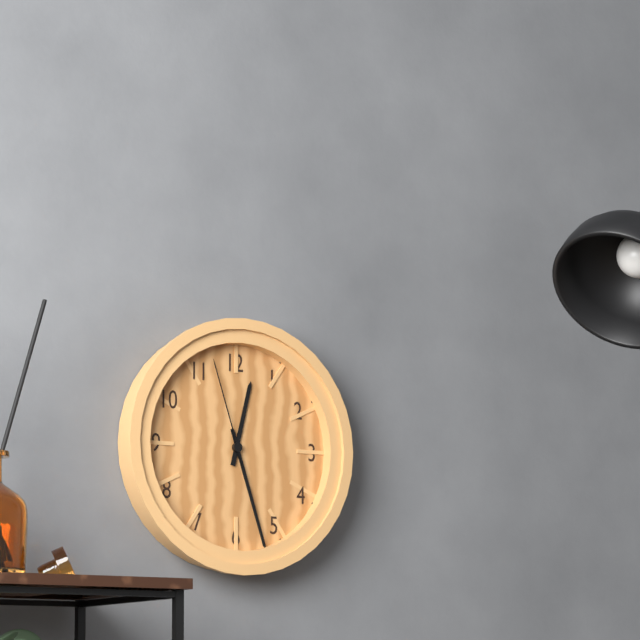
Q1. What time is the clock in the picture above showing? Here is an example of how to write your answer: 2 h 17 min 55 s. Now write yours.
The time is 12 h 27 min 57 s
